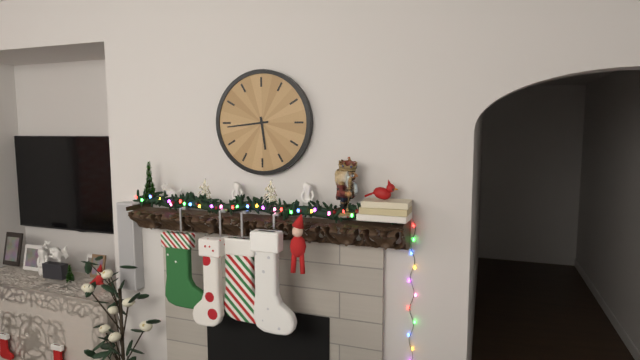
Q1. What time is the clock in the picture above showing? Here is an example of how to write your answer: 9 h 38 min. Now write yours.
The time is 5 h 44 min
